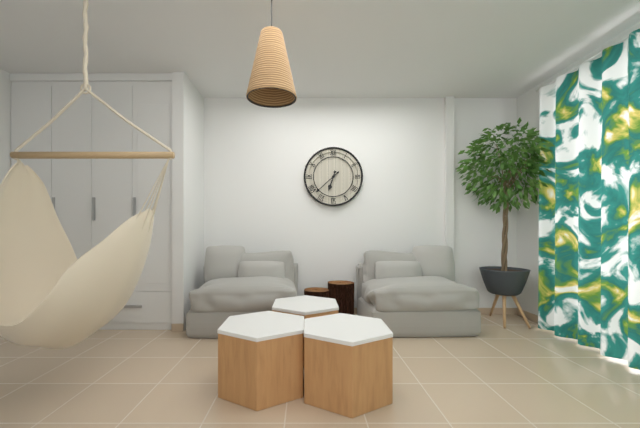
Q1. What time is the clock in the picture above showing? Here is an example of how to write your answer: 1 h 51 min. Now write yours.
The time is 6 h 38 min
